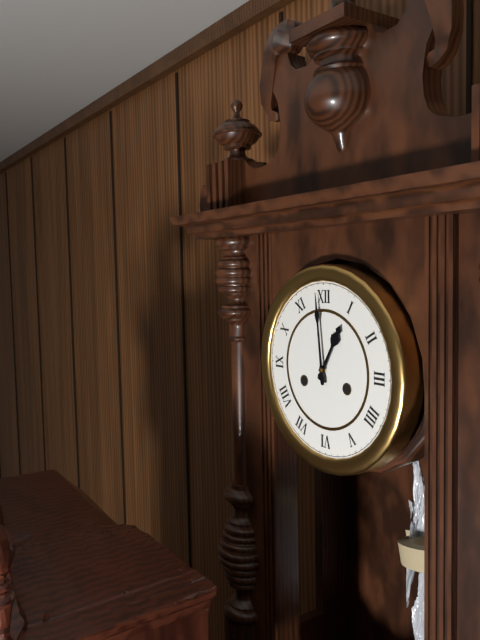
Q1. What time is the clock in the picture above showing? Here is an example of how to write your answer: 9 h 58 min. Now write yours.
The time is 12 h 59 min
